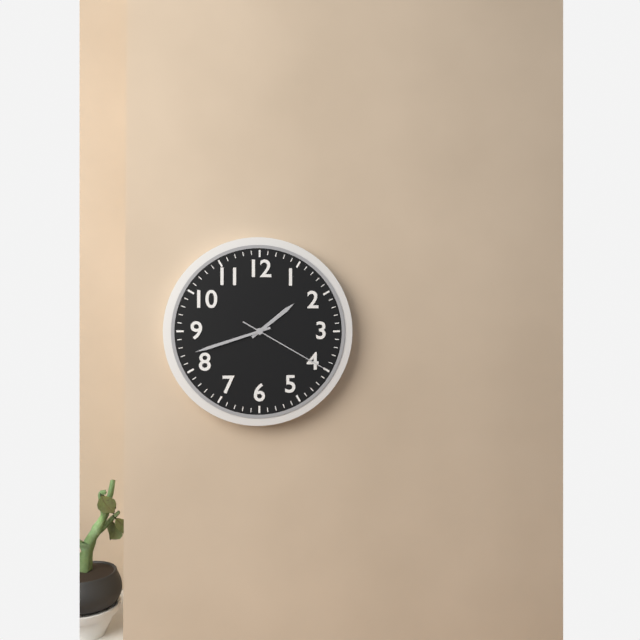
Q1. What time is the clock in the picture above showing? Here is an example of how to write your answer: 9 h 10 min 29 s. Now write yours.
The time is 1 h 42 min 20 s
